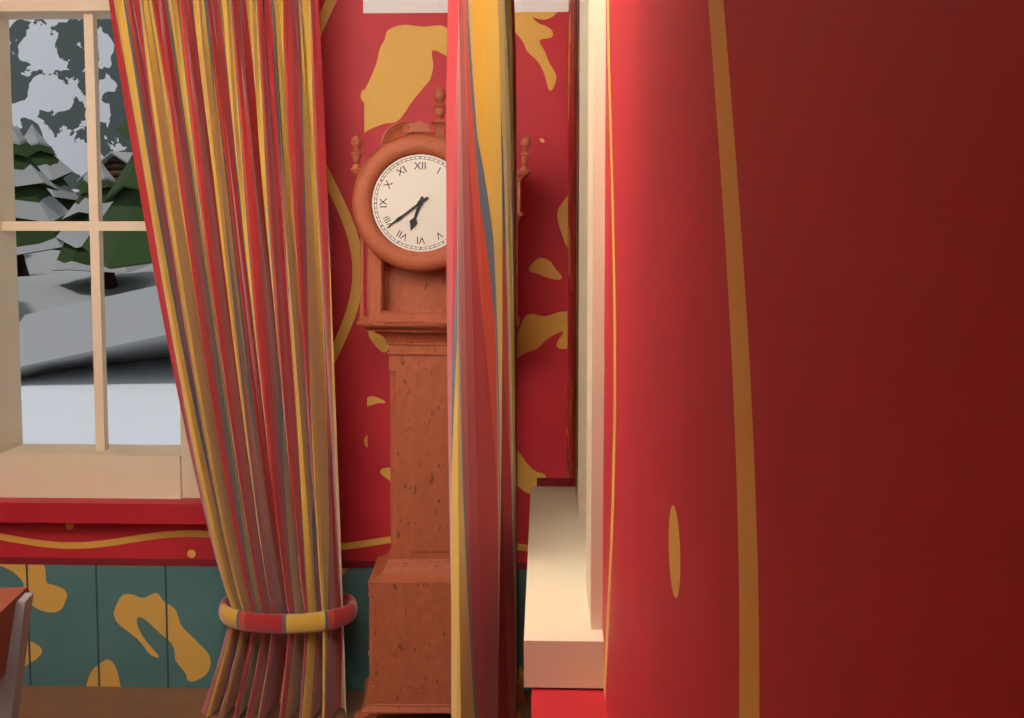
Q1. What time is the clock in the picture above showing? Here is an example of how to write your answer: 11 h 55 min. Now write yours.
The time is 6 h 39 min
